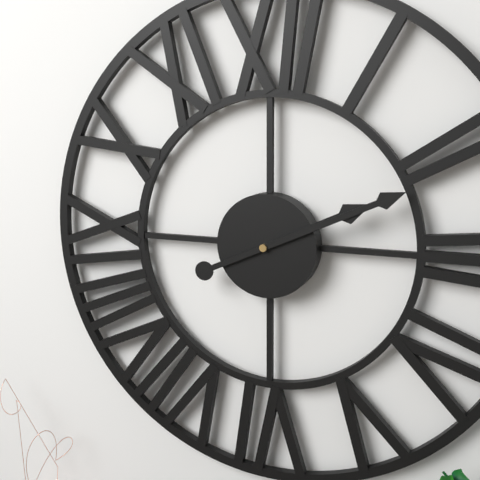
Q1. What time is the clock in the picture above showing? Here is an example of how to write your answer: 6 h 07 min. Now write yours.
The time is 2 h 11 min
